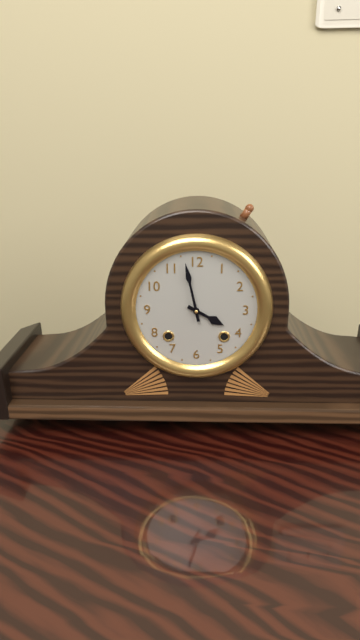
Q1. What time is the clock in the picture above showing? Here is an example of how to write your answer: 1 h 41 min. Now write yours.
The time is 3 h 58 min
